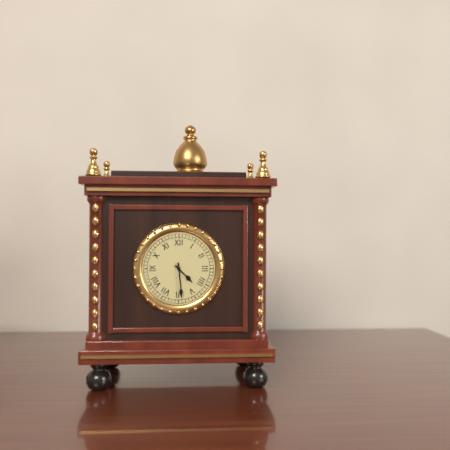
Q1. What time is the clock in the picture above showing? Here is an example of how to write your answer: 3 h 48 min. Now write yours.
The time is 4 h 29 min
